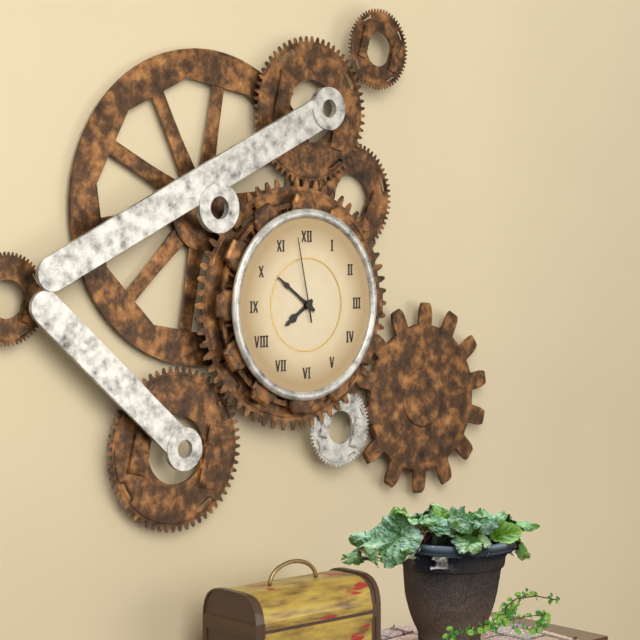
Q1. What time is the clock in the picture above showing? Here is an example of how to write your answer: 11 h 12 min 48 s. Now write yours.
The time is 7 h 51 min 58 s
